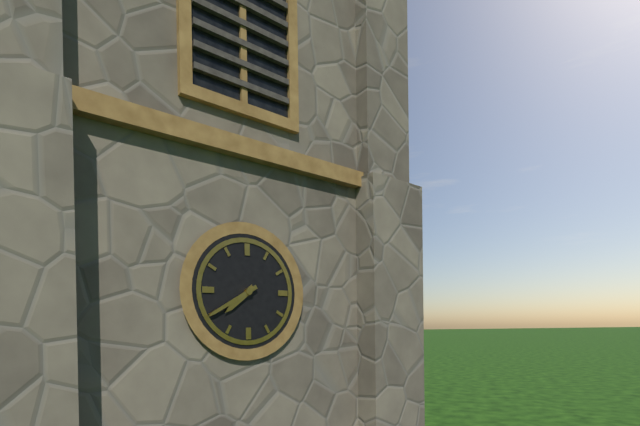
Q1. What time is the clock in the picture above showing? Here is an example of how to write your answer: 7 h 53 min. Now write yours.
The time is 7 h 40 min
